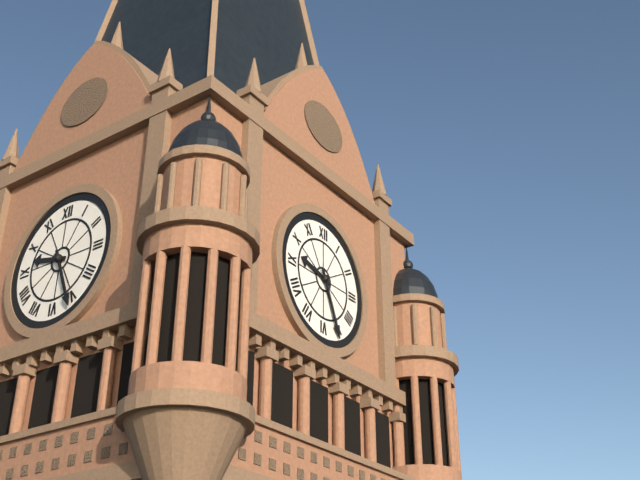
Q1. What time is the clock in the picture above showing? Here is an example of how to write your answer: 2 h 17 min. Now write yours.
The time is 9 h 26 min
